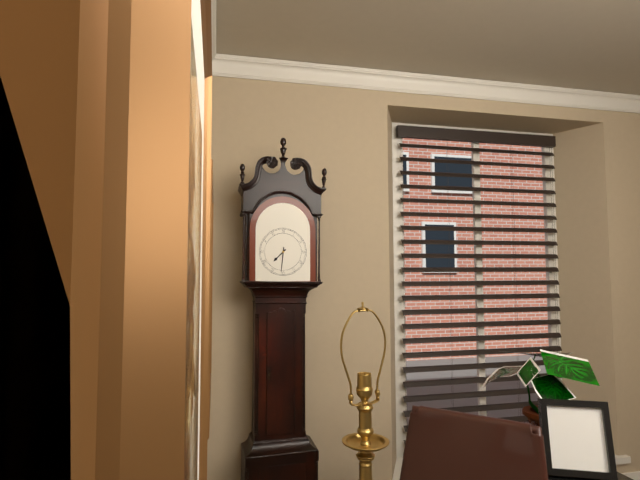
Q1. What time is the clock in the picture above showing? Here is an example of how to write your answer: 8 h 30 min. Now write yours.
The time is 7 h 31 min
